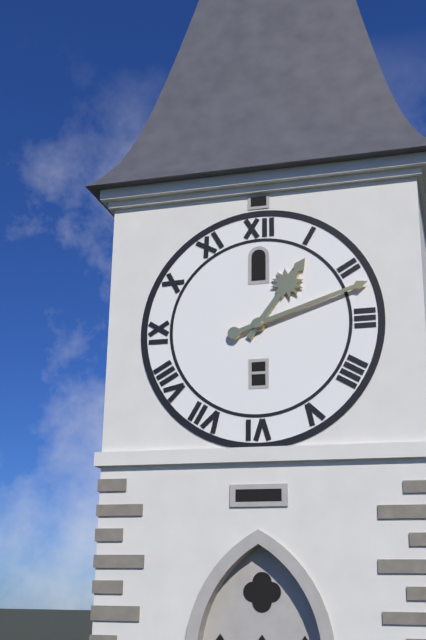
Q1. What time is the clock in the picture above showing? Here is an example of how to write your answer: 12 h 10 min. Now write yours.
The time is 1 h 12 min
